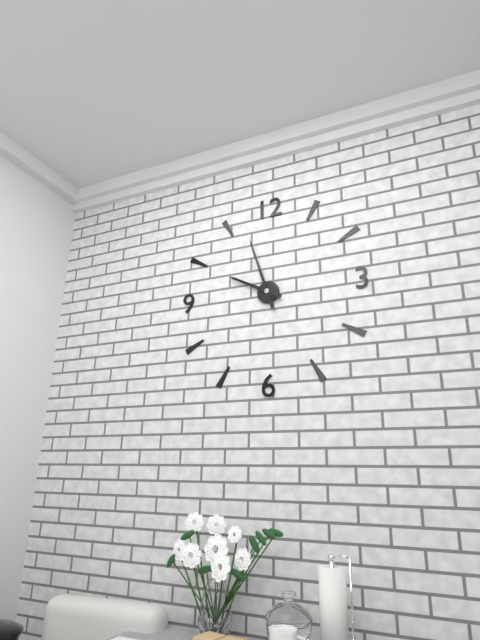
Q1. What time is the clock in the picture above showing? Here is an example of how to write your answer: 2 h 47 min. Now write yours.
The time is 9 h 57 min
